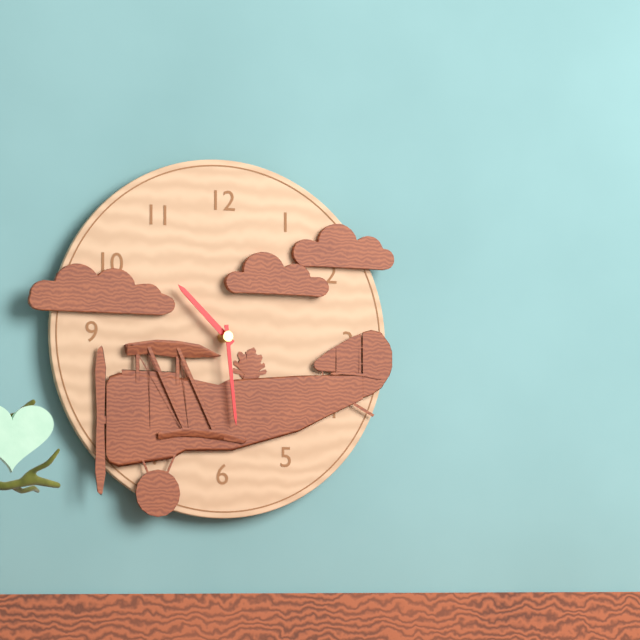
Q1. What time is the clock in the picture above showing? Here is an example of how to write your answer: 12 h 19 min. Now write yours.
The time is 10 h 29 min
